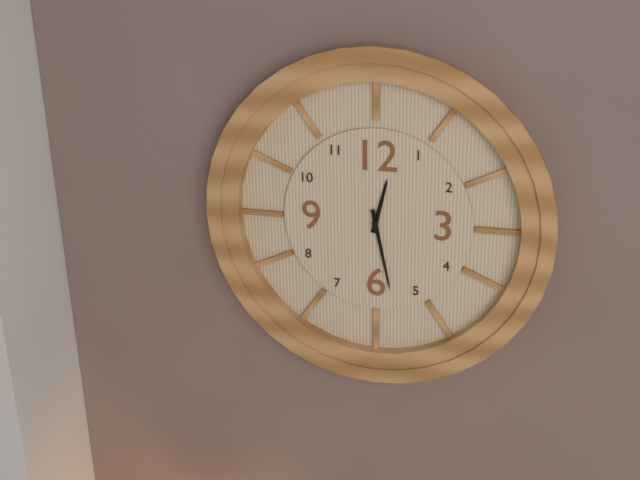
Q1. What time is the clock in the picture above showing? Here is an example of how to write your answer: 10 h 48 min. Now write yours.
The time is 12 h 28 min
